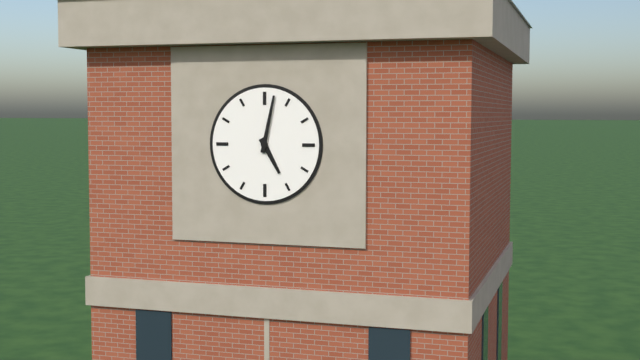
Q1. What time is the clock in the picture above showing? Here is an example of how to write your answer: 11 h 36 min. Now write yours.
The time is 5 h 02 min
